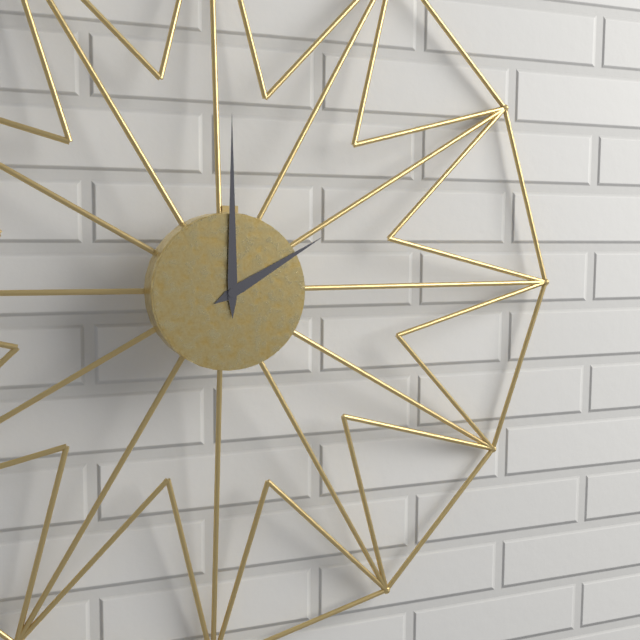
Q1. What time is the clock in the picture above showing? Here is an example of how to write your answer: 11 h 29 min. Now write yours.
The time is 2 h 00 min
